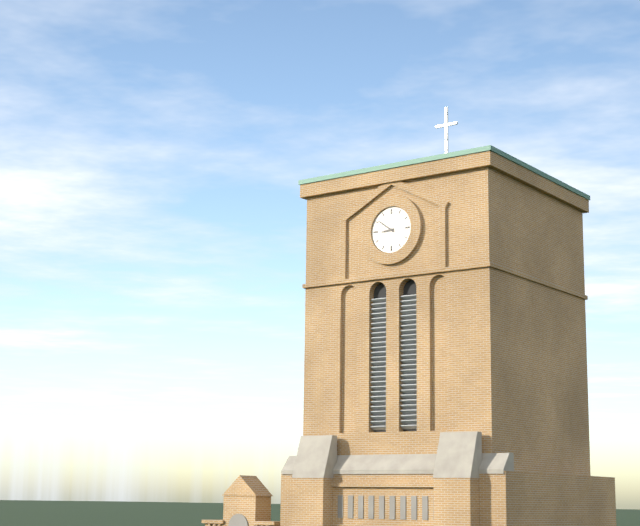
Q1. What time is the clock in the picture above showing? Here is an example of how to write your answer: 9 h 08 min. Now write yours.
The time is 8 h 51 min
